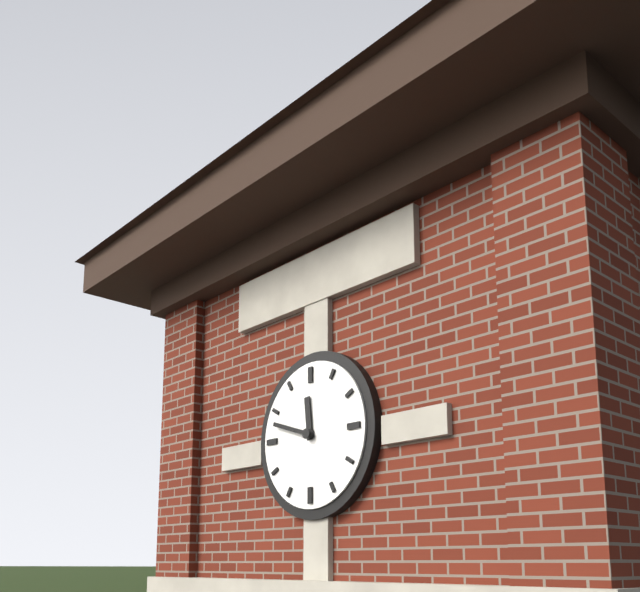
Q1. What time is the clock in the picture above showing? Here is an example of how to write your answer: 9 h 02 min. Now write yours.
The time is 11 h 48 min
